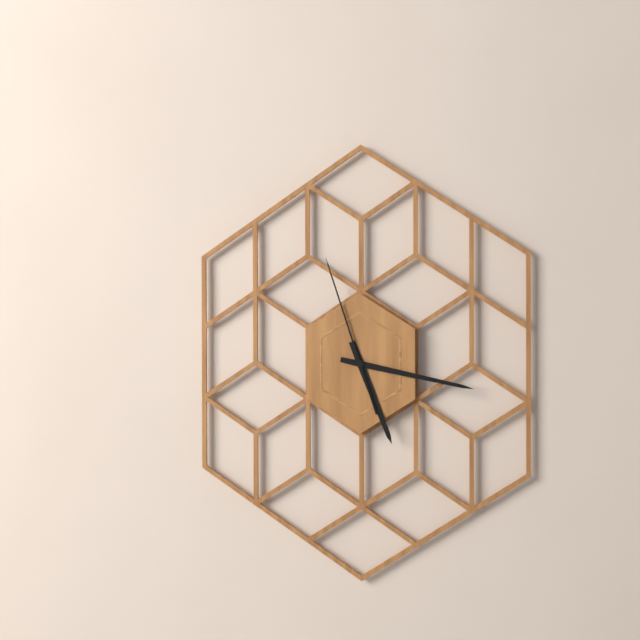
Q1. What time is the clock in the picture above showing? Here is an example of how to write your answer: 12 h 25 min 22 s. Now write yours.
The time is 5 h 17 min 57 s
